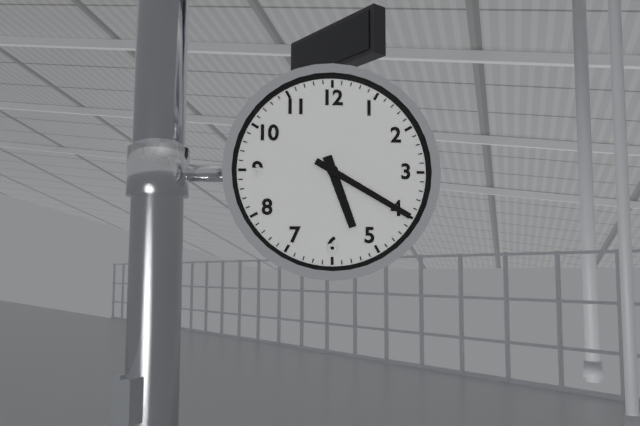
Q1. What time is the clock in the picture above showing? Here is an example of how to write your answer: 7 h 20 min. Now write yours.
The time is 5 h 20 min
